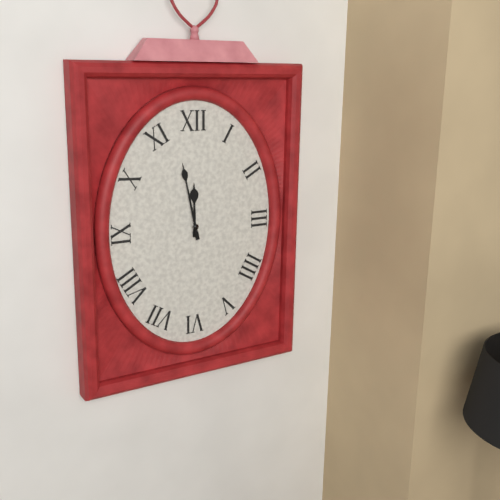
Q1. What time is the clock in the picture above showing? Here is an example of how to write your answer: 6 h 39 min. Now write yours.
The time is 11 h 58 min
